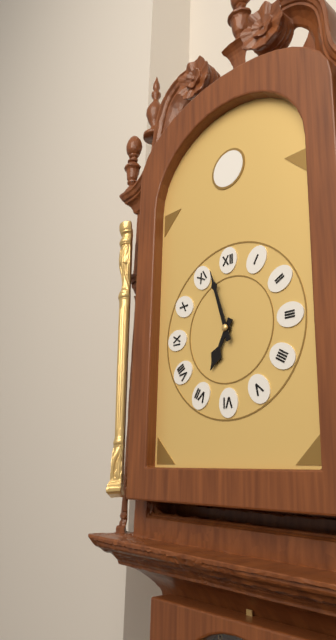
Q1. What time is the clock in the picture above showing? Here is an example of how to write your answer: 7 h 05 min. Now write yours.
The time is 6 h 57 min
